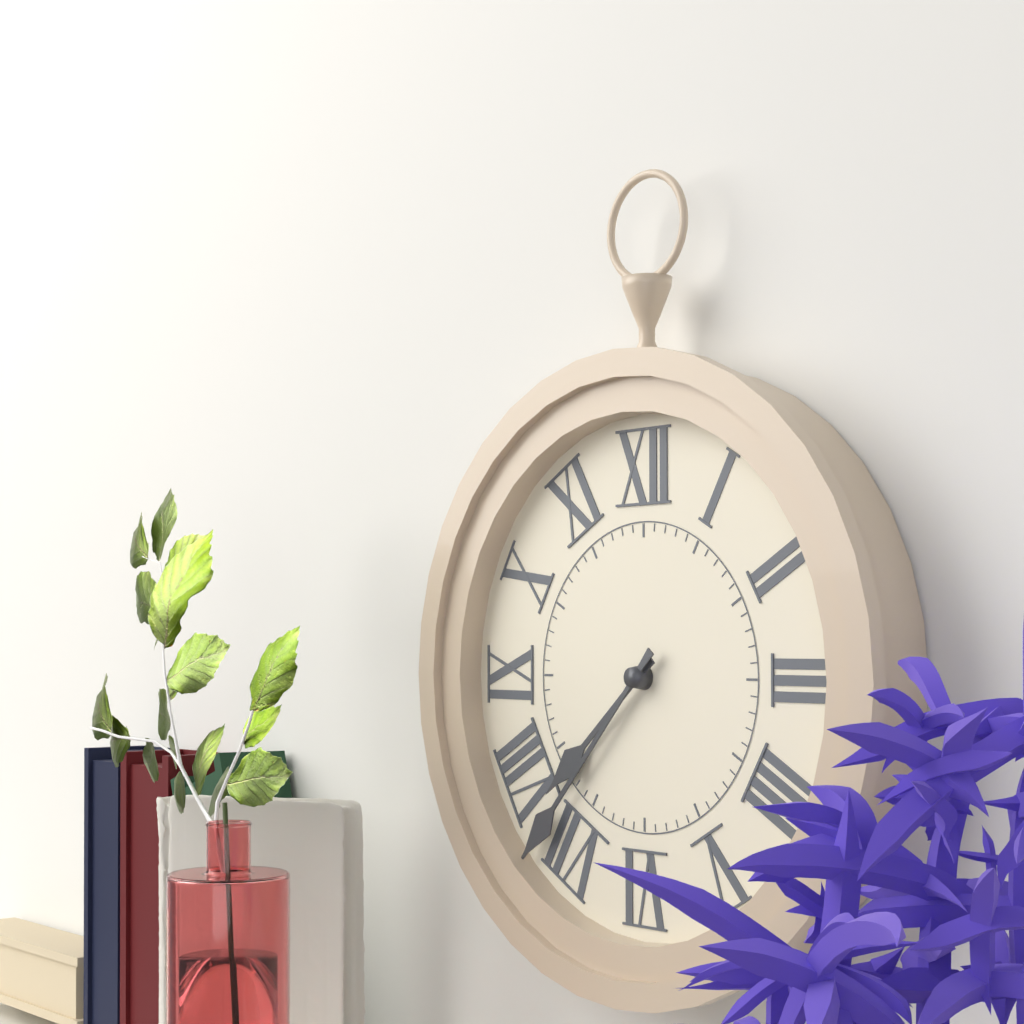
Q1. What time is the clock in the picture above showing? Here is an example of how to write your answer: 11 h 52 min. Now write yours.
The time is 7 h 37 min
